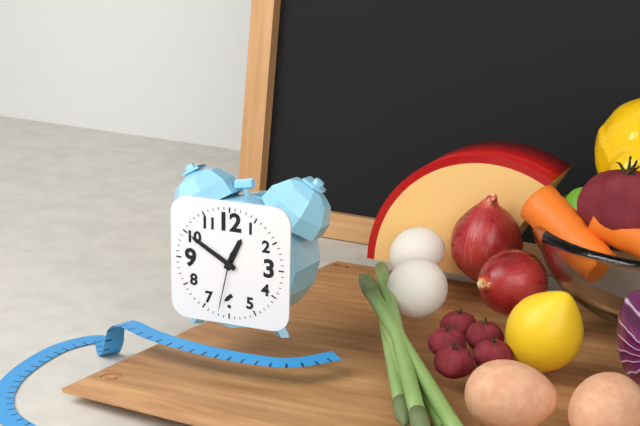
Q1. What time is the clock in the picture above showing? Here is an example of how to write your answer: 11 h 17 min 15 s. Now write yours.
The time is 12 h 50 min 32 s
